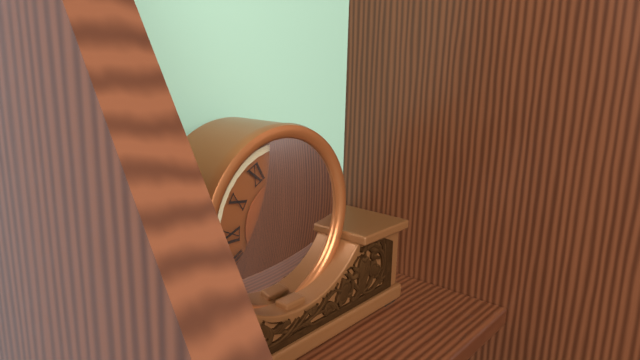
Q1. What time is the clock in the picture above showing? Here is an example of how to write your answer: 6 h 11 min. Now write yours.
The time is 1 h 11 min
